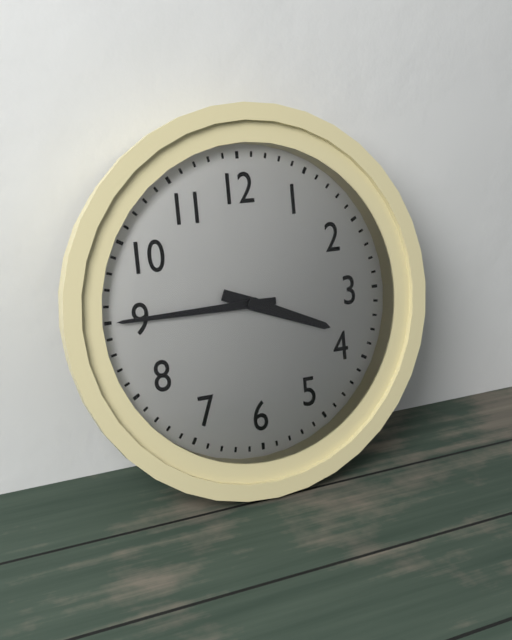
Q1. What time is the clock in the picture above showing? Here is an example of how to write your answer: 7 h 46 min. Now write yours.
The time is 3 h 45 min
